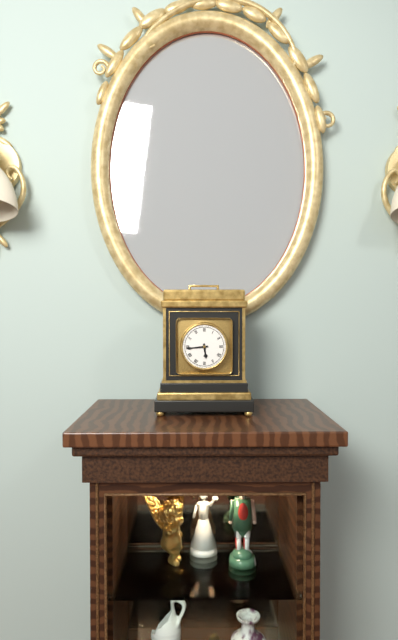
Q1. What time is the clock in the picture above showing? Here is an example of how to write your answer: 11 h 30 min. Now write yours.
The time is 5 h 44 min
